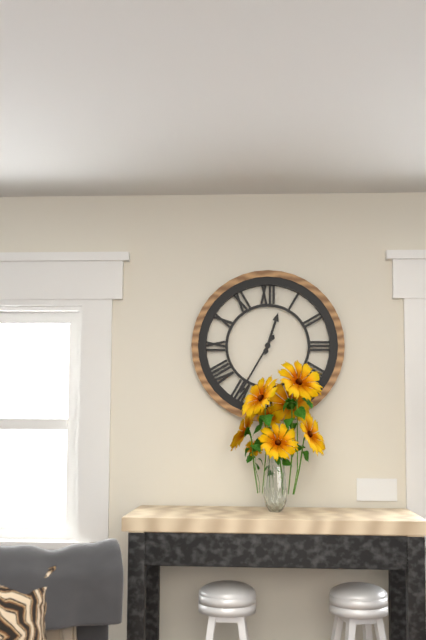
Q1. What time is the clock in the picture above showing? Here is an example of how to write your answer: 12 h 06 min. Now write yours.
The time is 12 h 35 min
